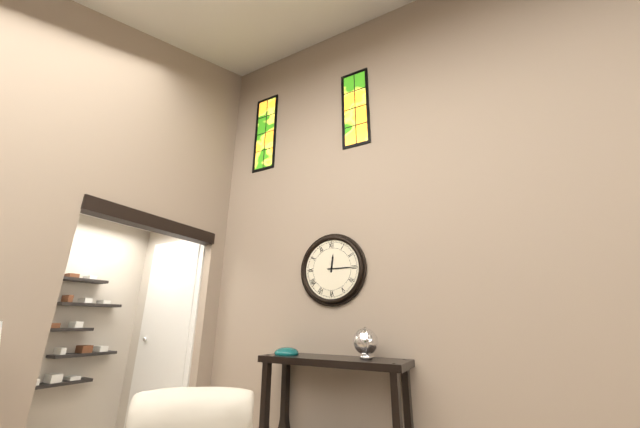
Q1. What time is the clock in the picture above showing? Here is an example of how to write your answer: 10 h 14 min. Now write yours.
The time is 12 h 15 min
